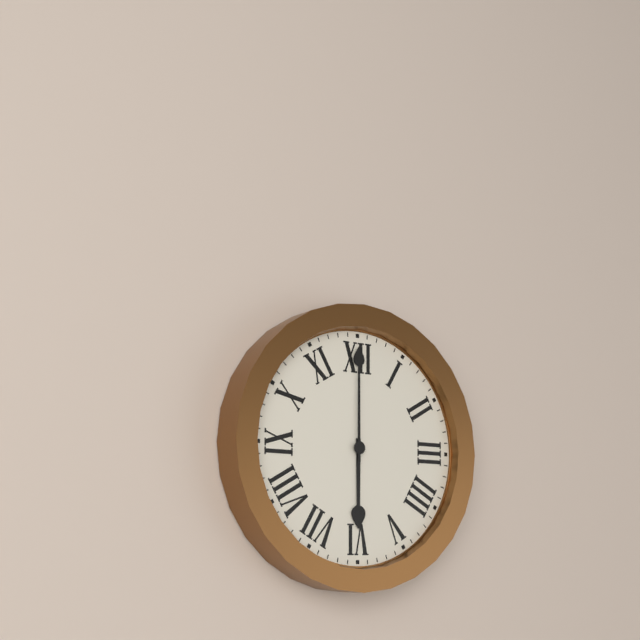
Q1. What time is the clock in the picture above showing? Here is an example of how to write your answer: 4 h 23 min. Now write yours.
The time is 6 h 00 min
